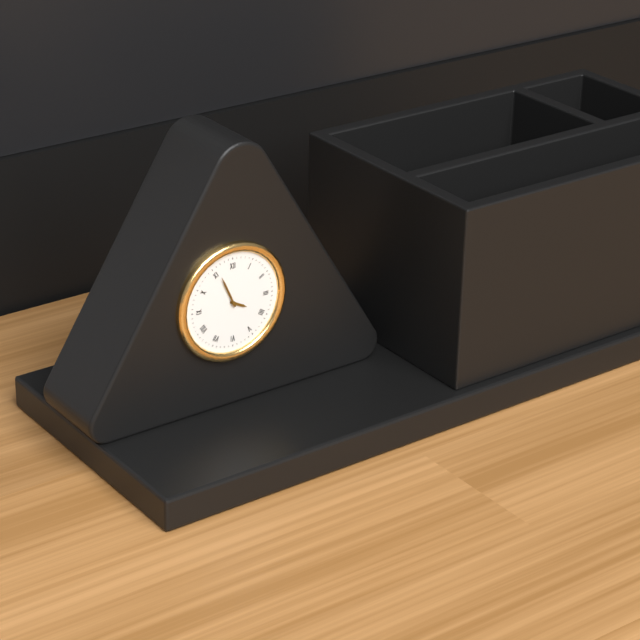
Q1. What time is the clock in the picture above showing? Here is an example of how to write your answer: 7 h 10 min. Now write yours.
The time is 3 h 56 min
